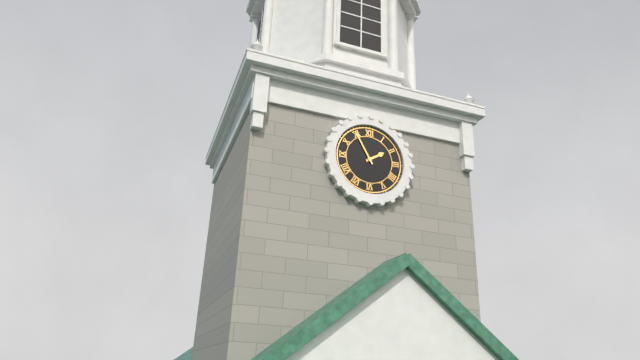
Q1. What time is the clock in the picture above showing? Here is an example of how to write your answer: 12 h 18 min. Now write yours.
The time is 1 h 55 min
